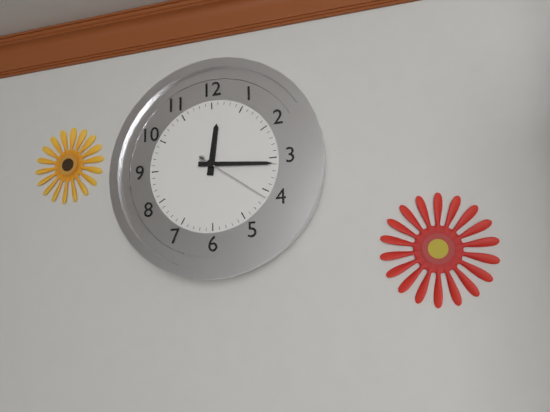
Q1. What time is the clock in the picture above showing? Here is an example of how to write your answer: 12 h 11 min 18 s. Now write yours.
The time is 12 h 16 min 21 s
